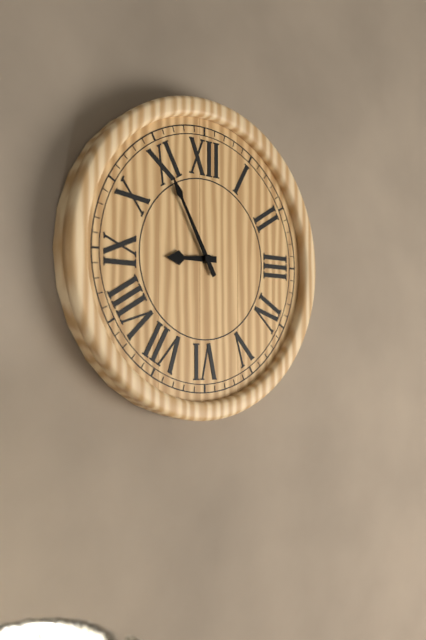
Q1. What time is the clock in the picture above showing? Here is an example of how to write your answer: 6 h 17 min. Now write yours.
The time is 8 h 55 min
